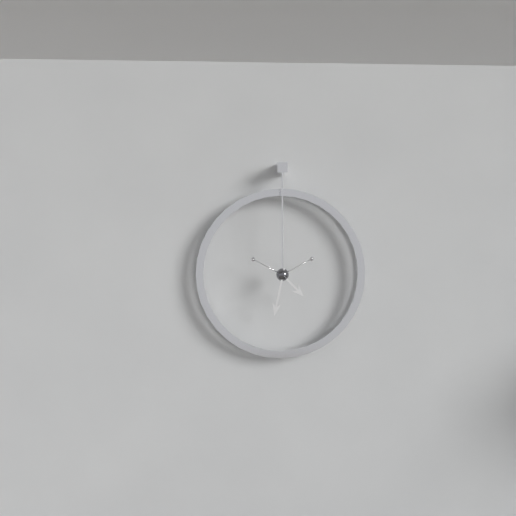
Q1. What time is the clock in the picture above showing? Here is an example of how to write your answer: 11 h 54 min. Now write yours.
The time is 4 h 32 min
